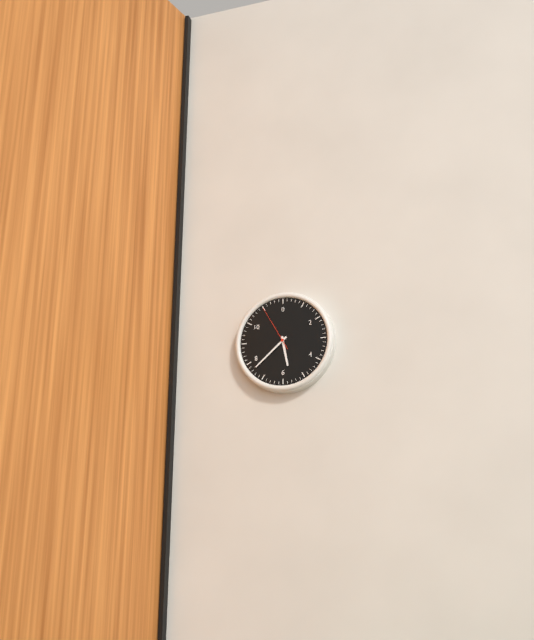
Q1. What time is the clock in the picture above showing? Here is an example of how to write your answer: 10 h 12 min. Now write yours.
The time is 5 h 38 min
